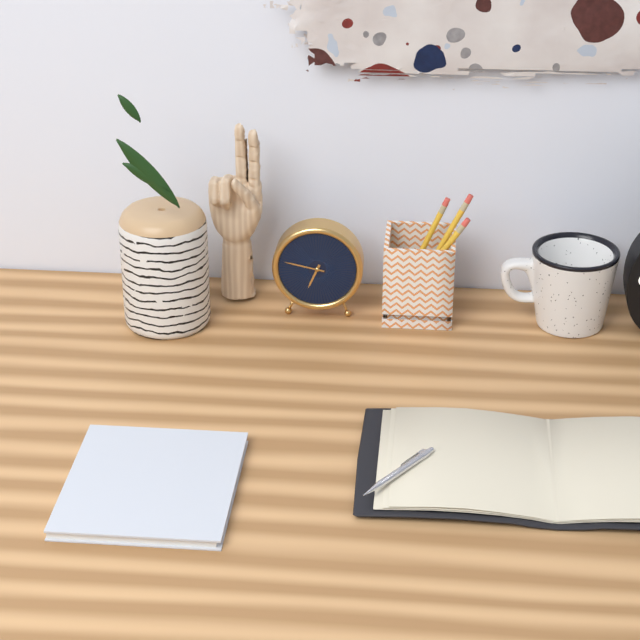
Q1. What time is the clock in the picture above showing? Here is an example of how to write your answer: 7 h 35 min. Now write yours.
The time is 6 h 47 min
